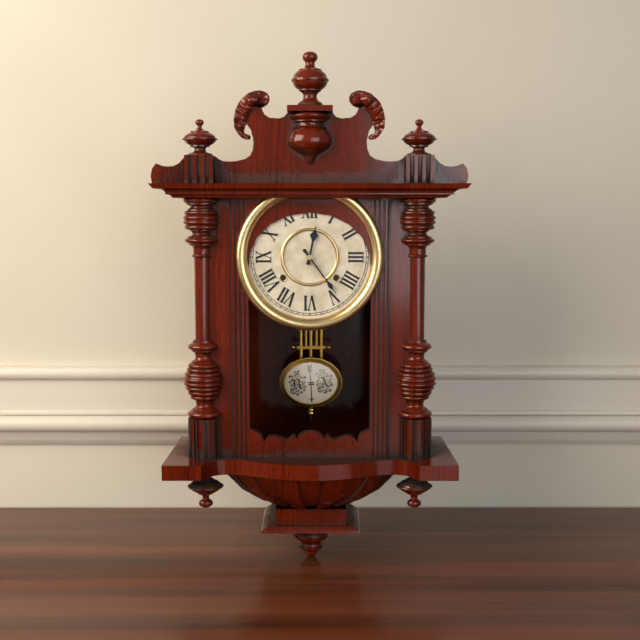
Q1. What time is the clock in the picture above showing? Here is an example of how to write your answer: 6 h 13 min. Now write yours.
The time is 12 h 24 min
